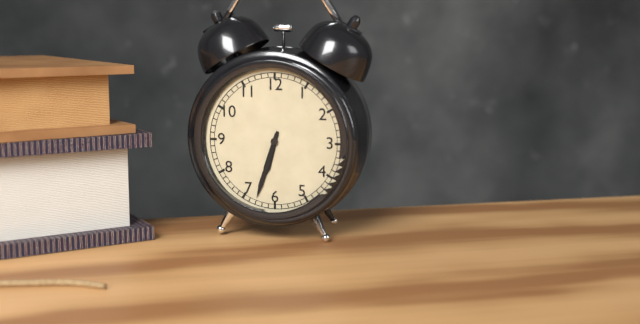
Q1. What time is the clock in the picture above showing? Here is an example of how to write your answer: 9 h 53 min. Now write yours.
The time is 6 h 33 min
